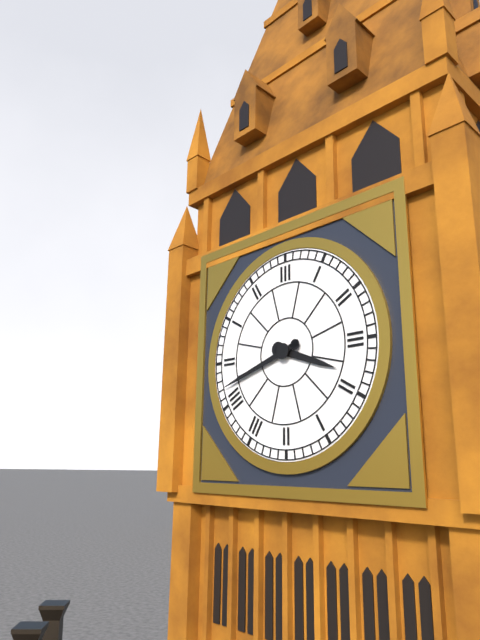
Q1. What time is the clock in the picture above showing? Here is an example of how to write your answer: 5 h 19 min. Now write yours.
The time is 3 h 42 min
